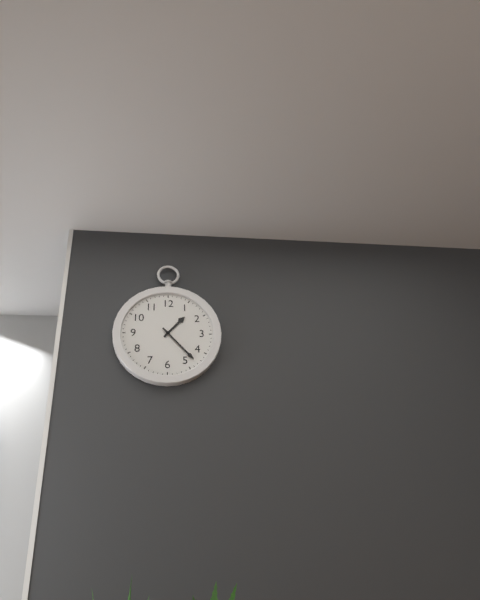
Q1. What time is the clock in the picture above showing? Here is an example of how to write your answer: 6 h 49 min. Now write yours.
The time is 1 h 23 min
